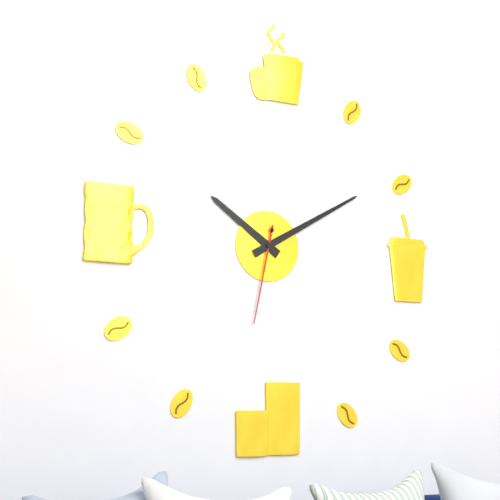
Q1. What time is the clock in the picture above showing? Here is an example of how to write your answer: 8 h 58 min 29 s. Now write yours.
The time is 10 h 10 min 32 s
